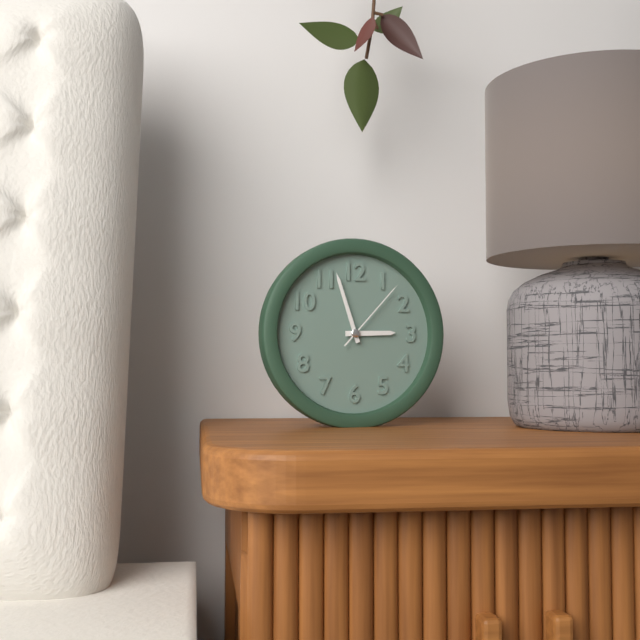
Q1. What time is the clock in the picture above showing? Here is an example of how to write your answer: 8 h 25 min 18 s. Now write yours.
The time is 2 h 57 min 07 s
